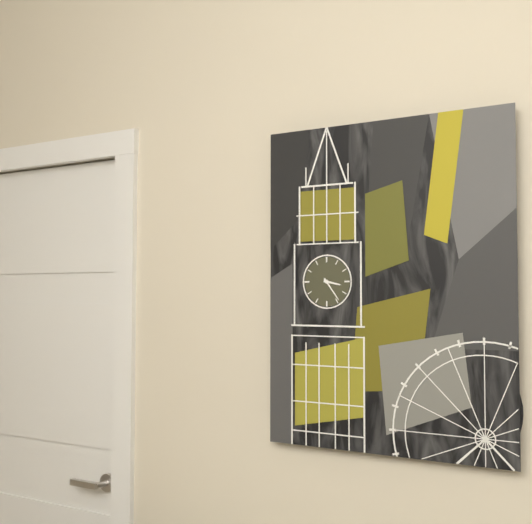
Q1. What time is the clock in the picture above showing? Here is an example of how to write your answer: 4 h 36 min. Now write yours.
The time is 3 h 24 min
